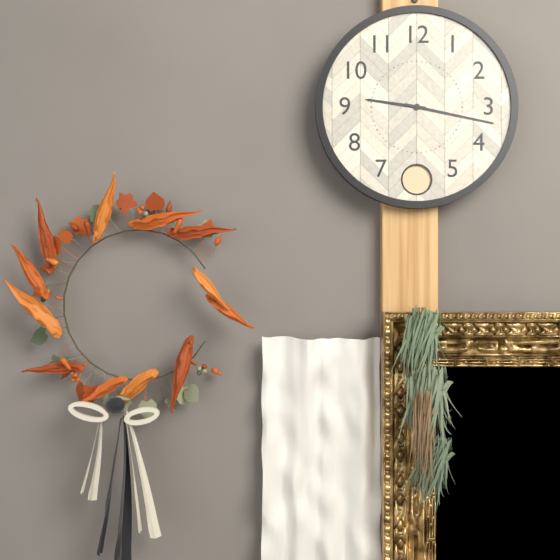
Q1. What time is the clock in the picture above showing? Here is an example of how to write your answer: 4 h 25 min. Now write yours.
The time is 9 h 17 min
